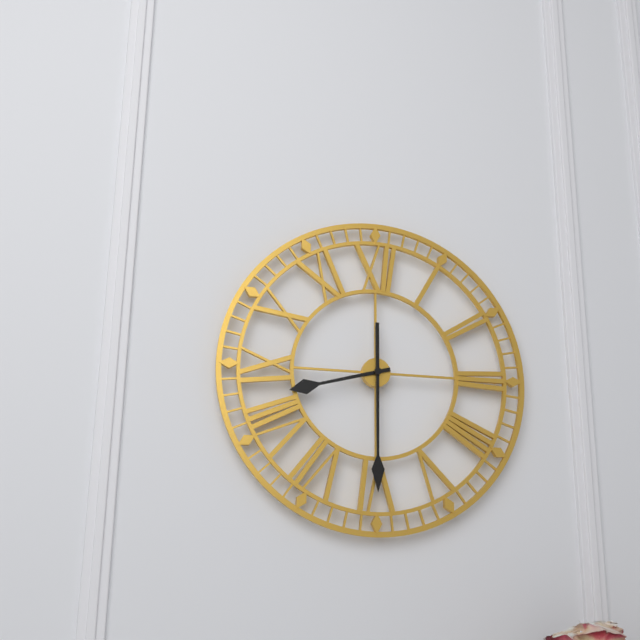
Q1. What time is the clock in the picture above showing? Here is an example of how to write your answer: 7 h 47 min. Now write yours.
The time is 8 h 30 min
